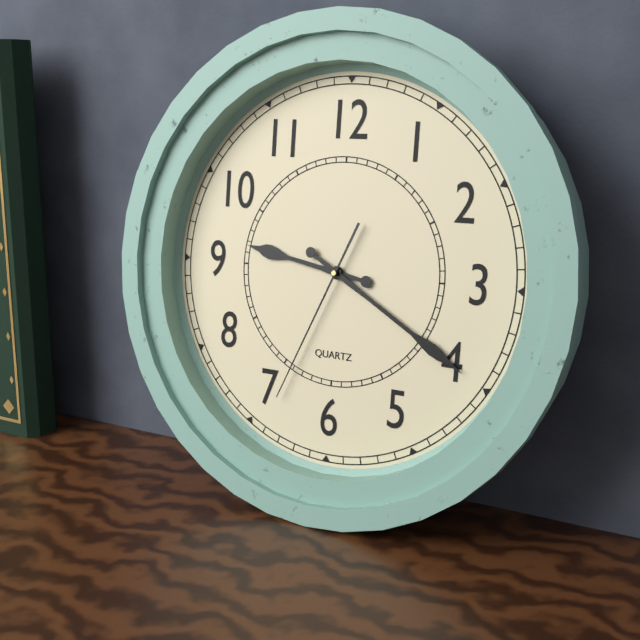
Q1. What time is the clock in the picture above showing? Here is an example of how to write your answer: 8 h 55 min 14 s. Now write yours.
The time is 9 h 20 min 34 s
